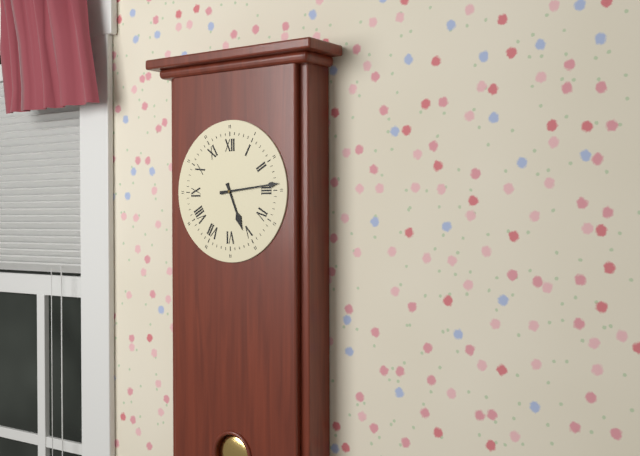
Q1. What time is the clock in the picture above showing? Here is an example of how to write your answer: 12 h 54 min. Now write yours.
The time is 5 h 14 min
